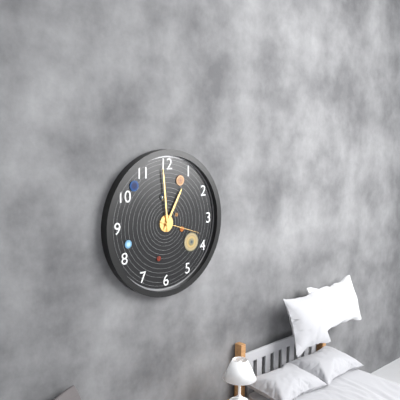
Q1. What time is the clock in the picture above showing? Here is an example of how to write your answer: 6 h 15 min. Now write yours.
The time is 12 h 59 min
